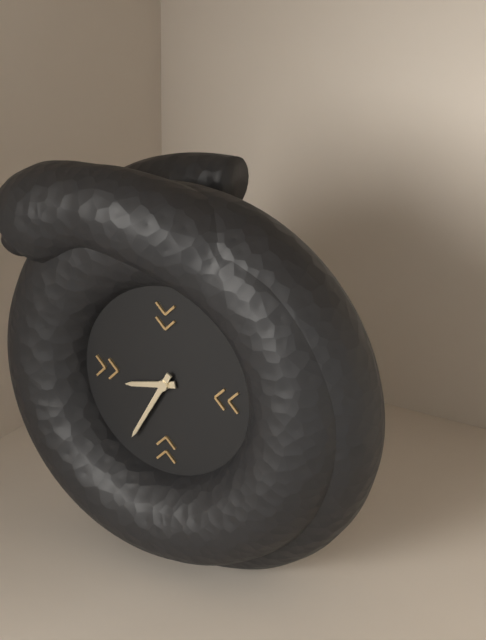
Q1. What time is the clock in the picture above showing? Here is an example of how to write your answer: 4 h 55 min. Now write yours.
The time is 8 h 35 min
